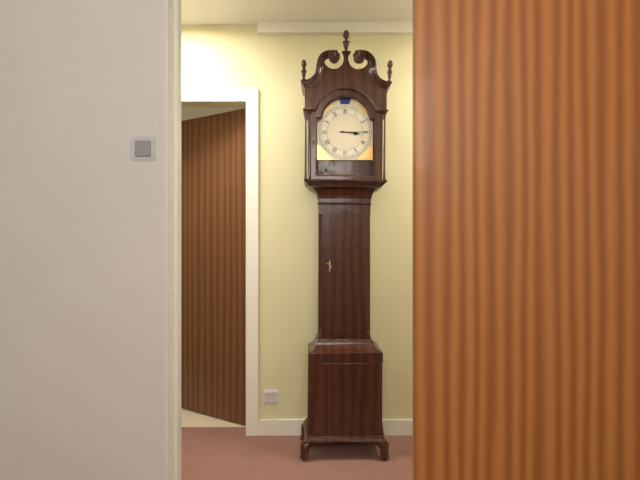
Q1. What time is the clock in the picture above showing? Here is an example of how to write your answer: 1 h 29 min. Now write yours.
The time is 3 h 15 min
